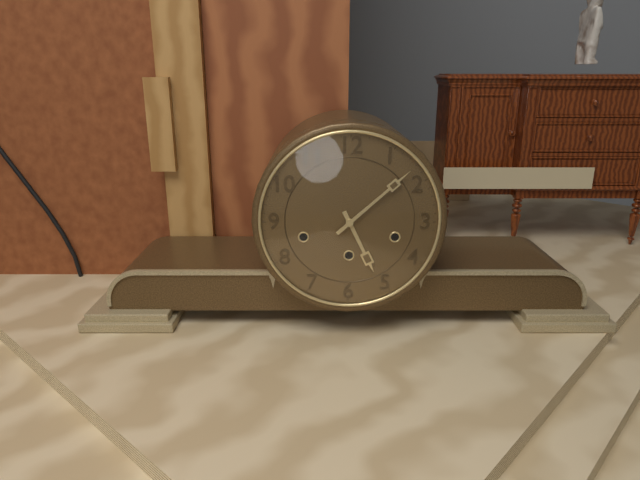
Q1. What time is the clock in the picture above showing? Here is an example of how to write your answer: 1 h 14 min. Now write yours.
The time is 5 h 08 min
